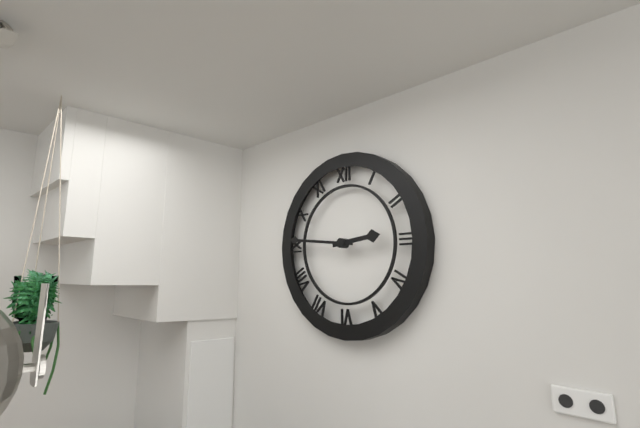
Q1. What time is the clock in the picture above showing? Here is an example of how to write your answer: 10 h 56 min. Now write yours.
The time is 2 h 46 min
